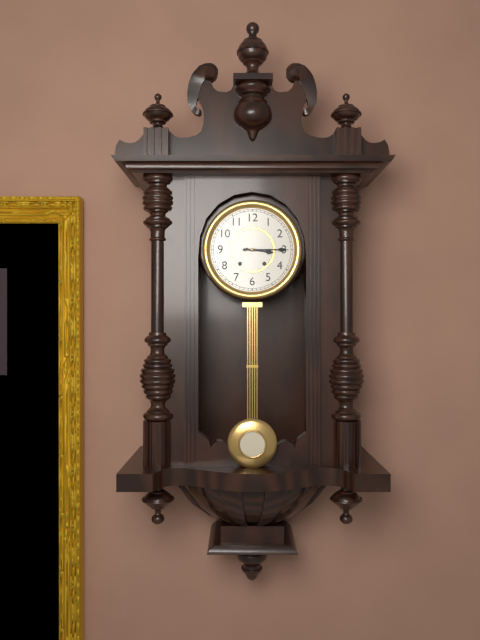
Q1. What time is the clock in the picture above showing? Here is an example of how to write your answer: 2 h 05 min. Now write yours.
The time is 3 h 15 min
